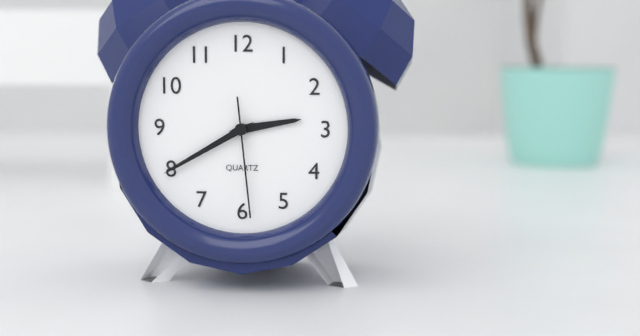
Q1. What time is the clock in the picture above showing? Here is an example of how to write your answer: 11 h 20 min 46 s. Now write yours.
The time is 2 h 40 min 29 s
